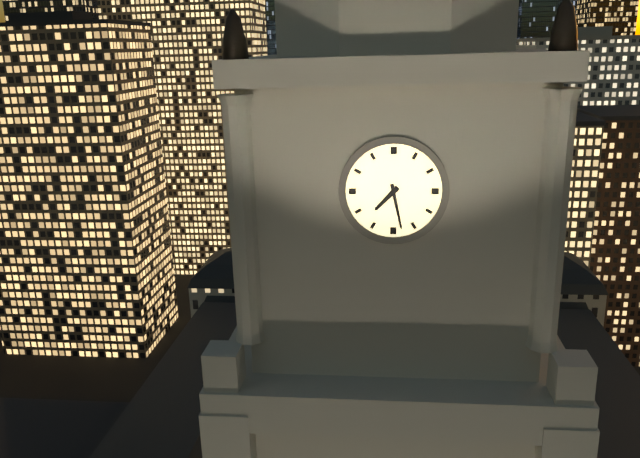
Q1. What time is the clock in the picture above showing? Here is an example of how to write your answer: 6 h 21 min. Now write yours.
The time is 7 h 28 min
